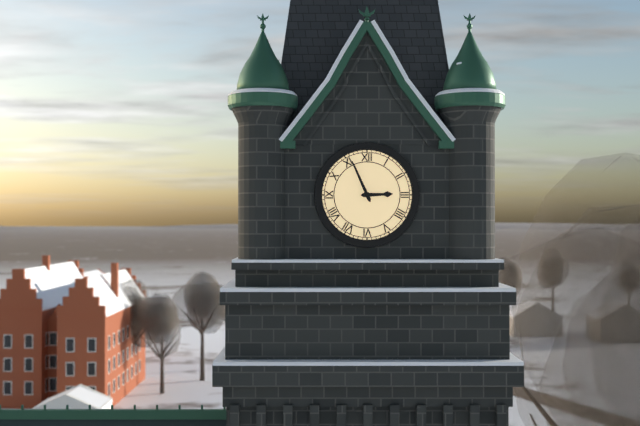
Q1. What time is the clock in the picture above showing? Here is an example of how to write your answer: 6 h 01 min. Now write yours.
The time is 2 h 56 min
